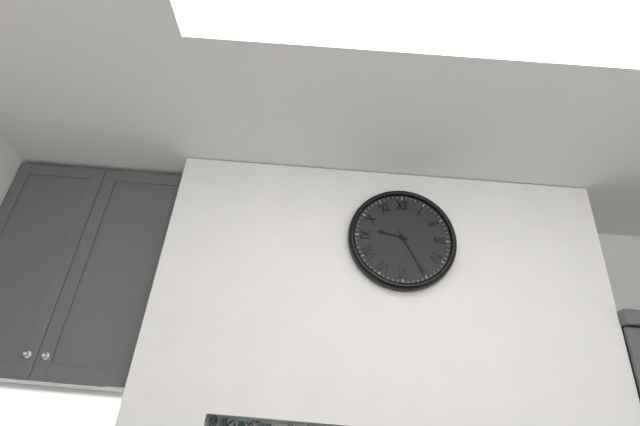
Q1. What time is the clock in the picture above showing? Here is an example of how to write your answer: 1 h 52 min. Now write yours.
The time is 9 h 25 min
